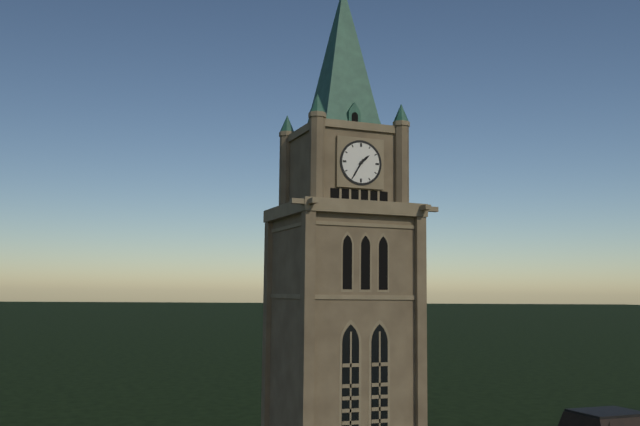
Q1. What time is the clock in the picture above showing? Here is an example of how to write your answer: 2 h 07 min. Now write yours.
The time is 1 h 35 min
